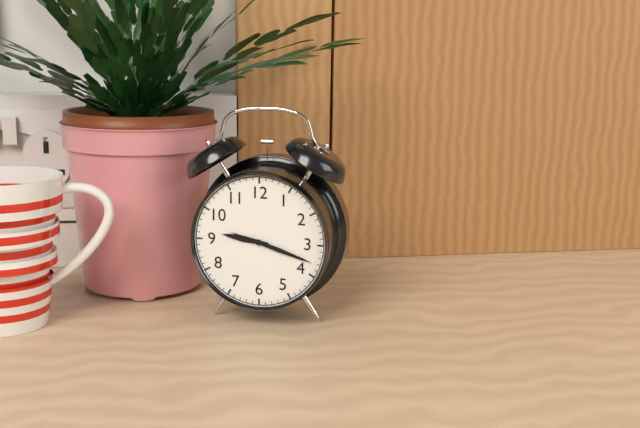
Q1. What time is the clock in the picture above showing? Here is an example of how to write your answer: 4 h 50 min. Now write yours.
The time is 9 h 18 min
